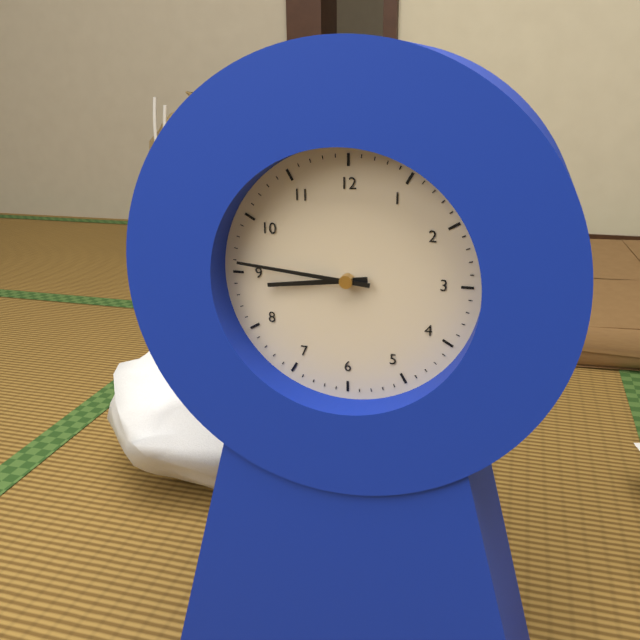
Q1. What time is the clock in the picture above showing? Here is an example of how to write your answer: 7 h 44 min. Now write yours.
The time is 8 h 46 min
